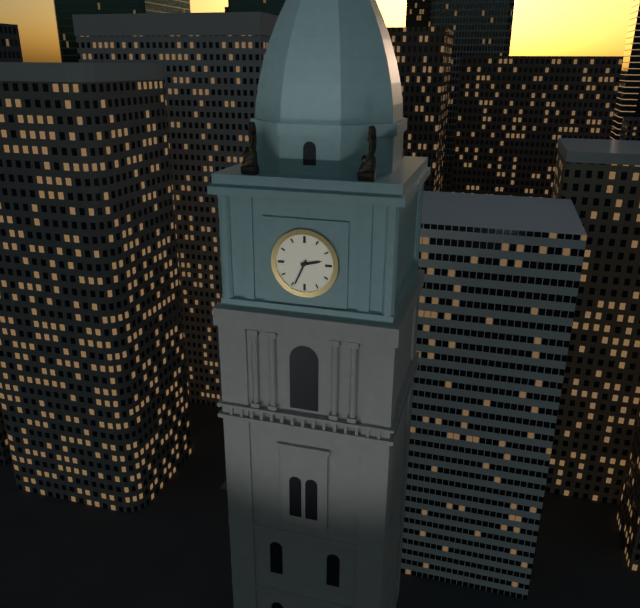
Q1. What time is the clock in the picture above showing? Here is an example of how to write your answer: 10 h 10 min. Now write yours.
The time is 2 h 34 min
